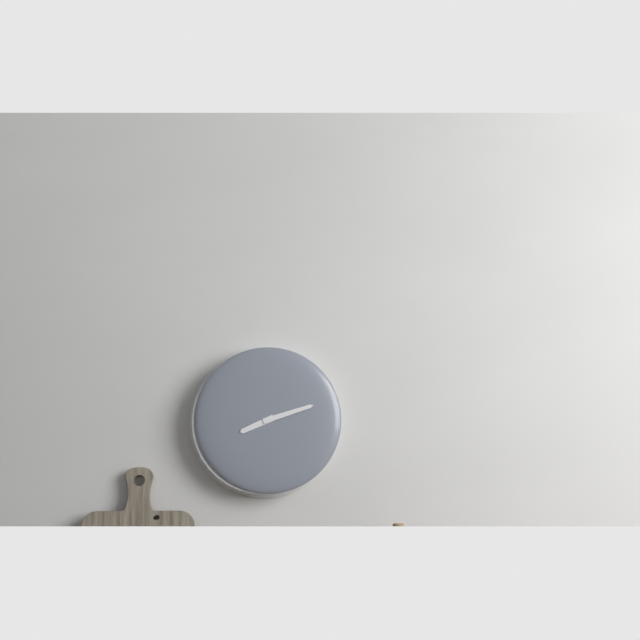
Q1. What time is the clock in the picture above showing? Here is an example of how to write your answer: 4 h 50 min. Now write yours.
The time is 8 h 12 min
